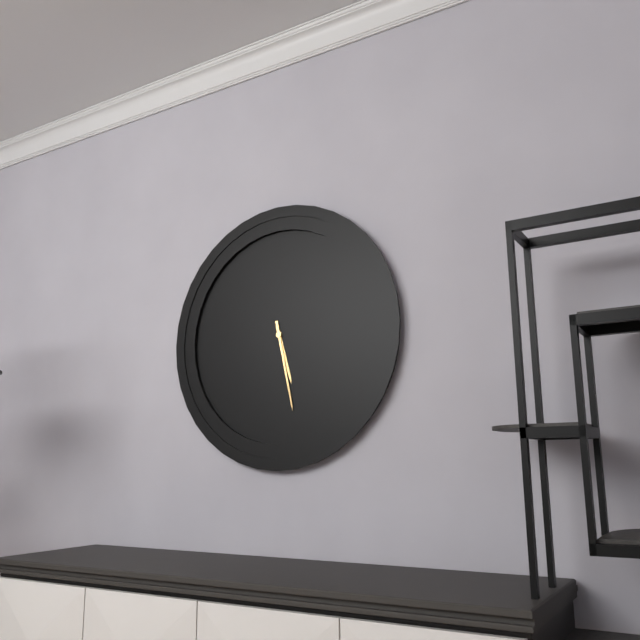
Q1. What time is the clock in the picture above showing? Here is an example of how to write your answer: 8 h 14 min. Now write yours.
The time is 5 h 28 min
